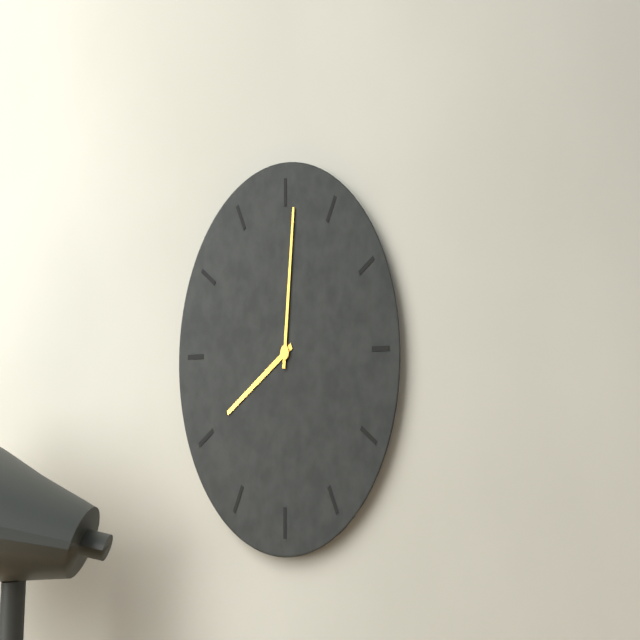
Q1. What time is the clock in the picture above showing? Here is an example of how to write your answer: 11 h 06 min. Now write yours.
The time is 8 h 01 min
